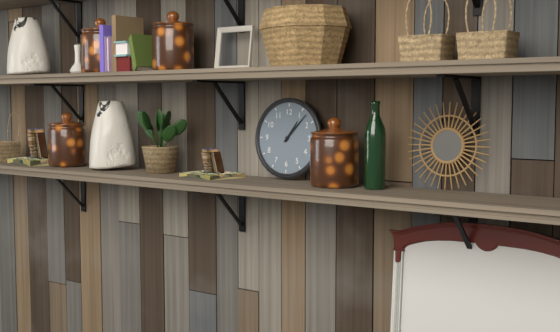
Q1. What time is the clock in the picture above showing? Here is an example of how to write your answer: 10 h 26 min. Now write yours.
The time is 1 h 07 min
